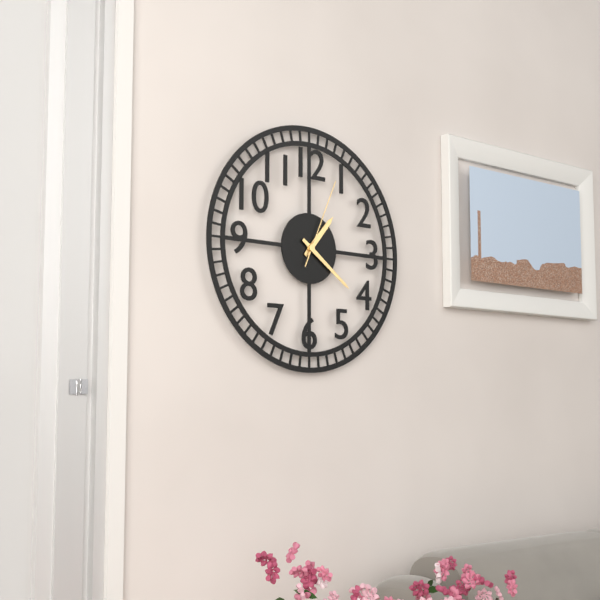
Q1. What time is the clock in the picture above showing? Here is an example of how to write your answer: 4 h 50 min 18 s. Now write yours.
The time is 1 h 21 min 04 s
